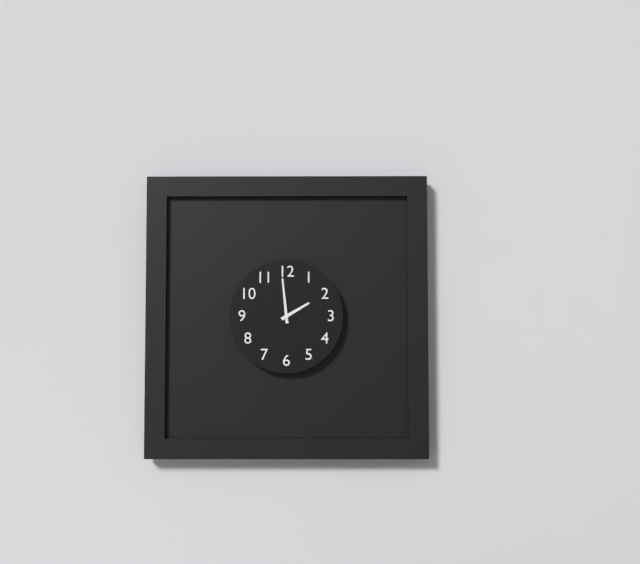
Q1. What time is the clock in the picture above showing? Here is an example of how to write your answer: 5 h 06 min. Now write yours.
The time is 1 h 59 min
